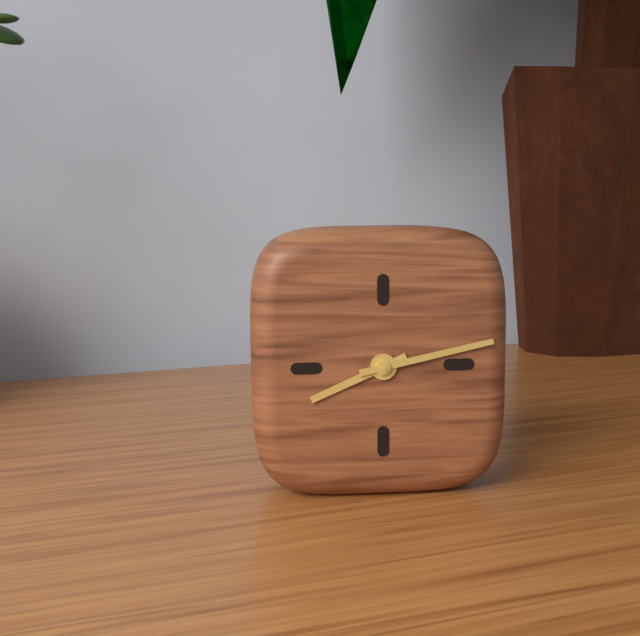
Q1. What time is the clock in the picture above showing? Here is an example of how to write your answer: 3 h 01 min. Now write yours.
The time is 8 h 13 min
